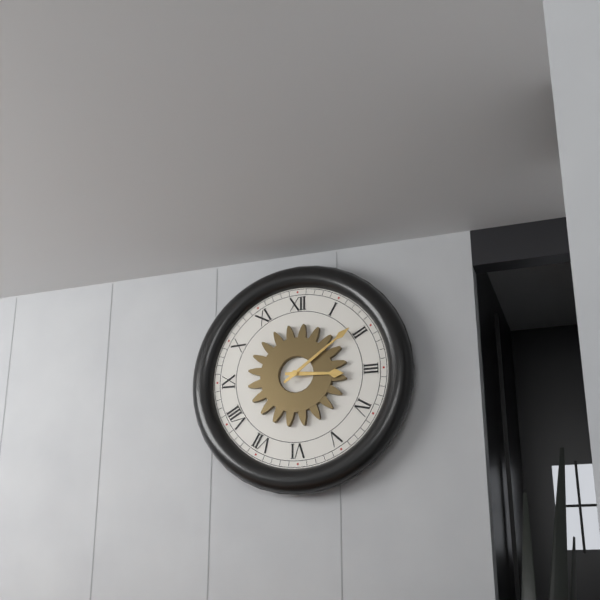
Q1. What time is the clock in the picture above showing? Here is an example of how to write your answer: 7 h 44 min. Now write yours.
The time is 3 h 09 min
